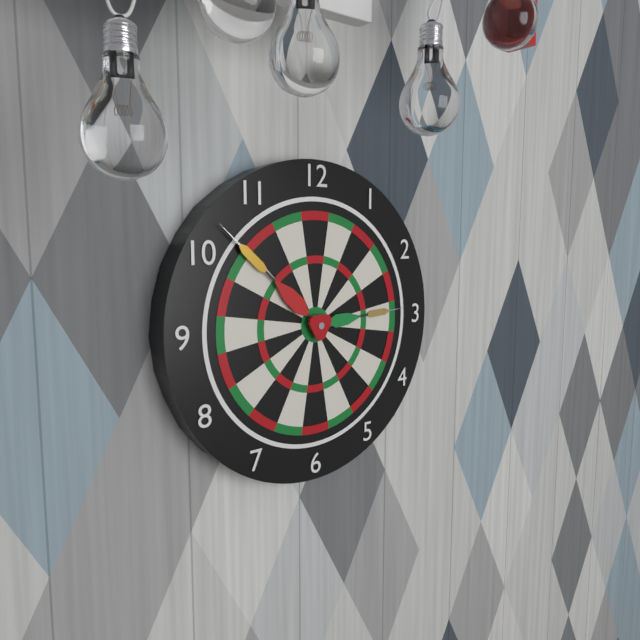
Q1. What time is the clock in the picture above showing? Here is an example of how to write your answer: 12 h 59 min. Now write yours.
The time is 2 h 52 min
